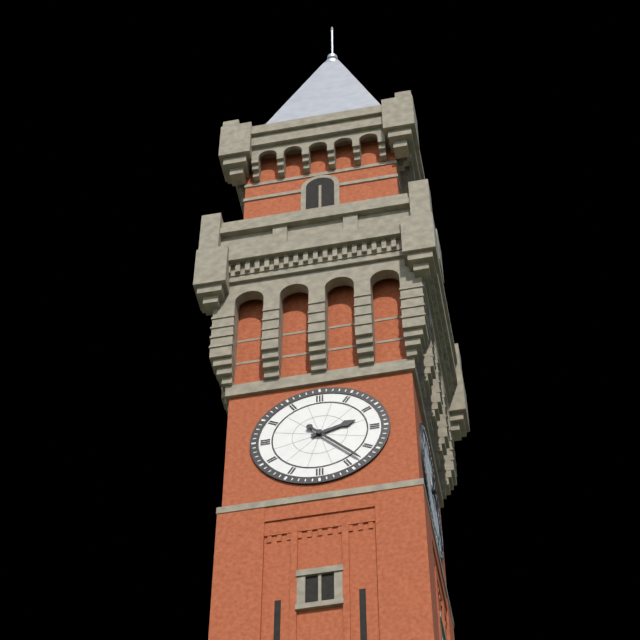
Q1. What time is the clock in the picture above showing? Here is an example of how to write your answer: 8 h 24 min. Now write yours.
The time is 2 h 23 min
